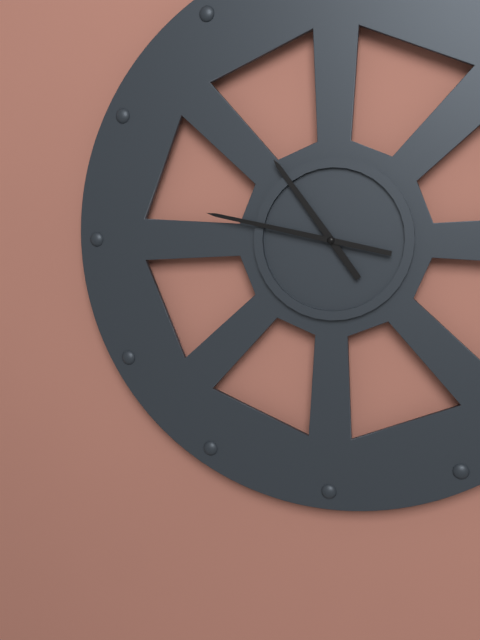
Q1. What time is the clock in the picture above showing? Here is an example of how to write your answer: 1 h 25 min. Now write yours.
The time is 10 h 47 min
